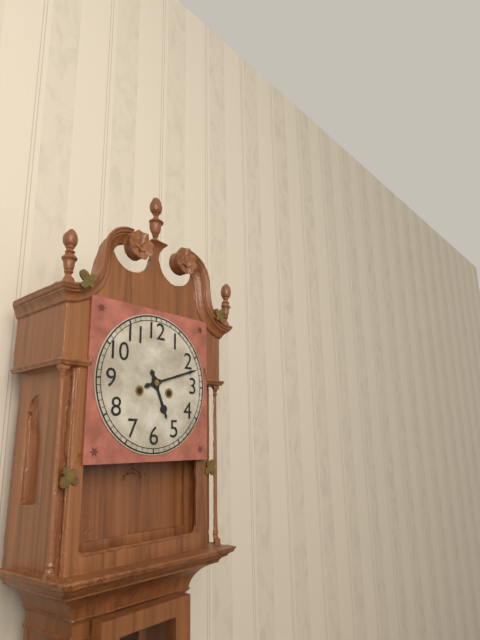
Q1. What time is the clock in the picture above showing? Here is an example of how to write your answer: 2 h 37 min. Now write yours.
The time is 5 h 12 min
